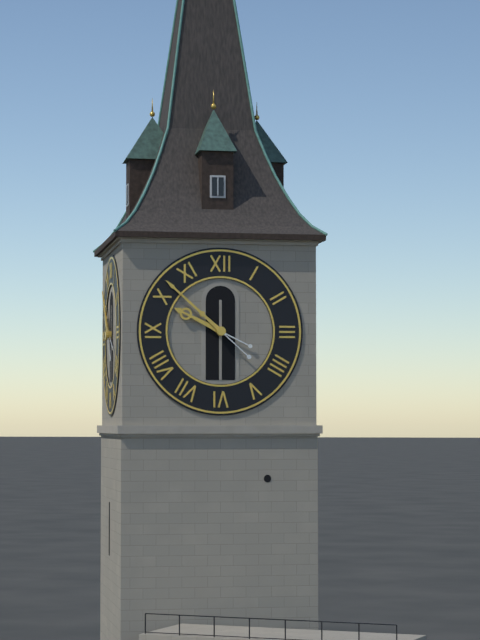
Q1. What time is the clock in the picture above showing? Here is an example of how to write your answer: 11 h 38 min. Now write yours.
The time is 9 h 52 min
